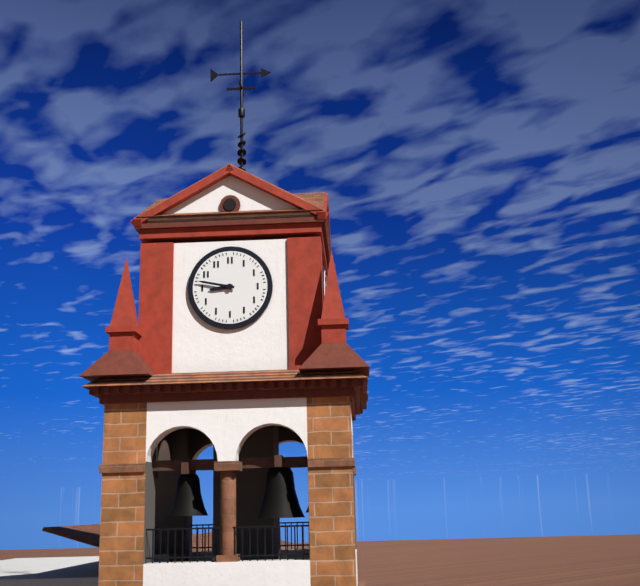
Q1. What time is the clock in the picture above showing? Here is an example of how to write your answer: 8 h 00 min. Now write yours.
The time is 8 h 47 min
